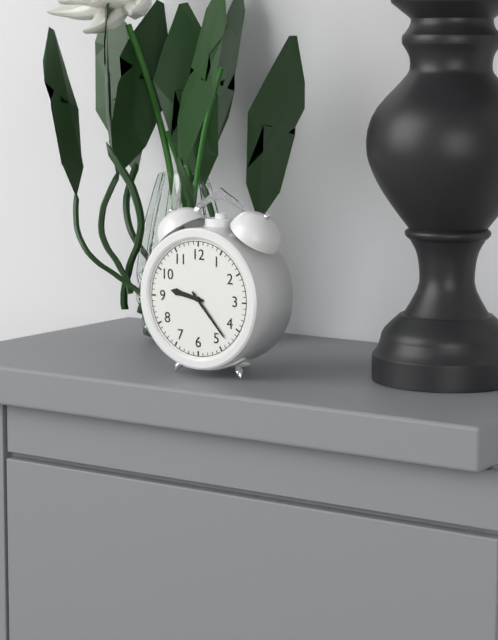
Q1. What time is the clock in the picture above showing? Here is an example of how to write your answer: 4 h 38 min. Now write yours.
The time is 9 h 23 min
